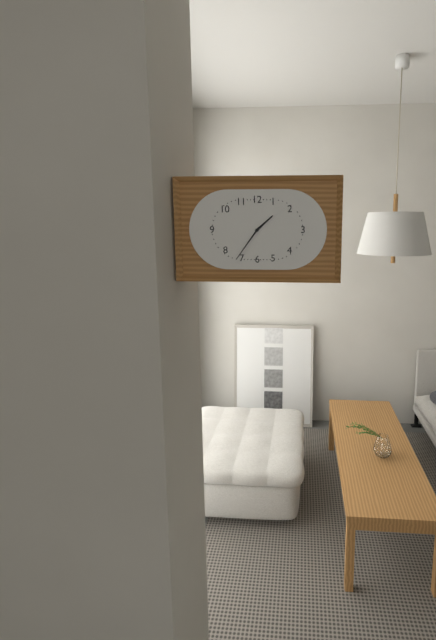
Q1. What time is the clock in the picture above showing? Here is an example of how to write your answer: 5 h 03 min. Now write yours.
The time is 1 h 36 min
